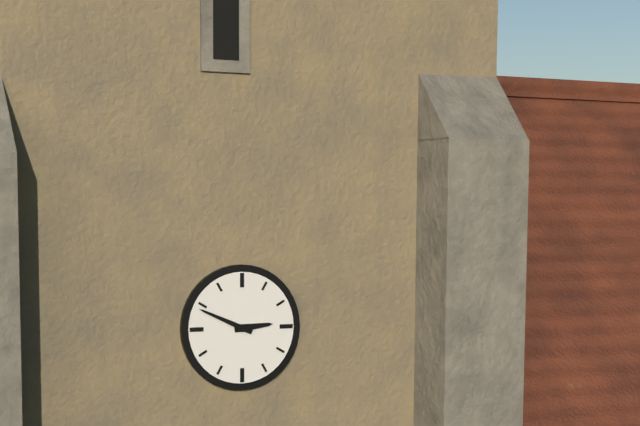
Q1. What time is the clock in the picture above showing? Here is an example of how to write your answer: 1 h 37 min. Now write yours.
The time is 2 h 49 min
